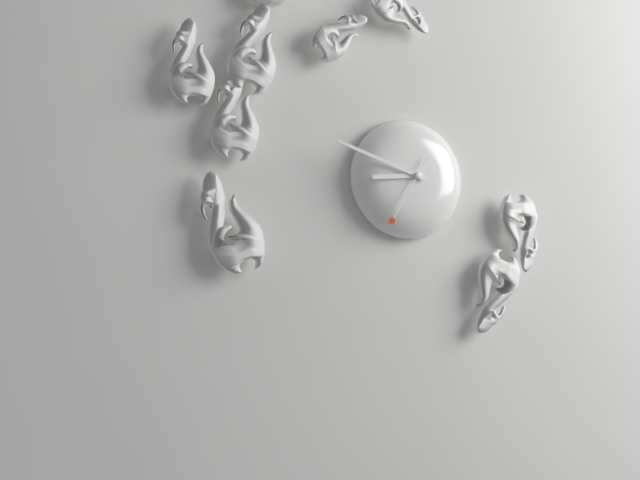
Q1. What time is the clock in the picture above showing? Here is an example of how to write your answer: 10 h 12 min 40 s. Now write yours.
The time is 8 h 48 min 35 s
